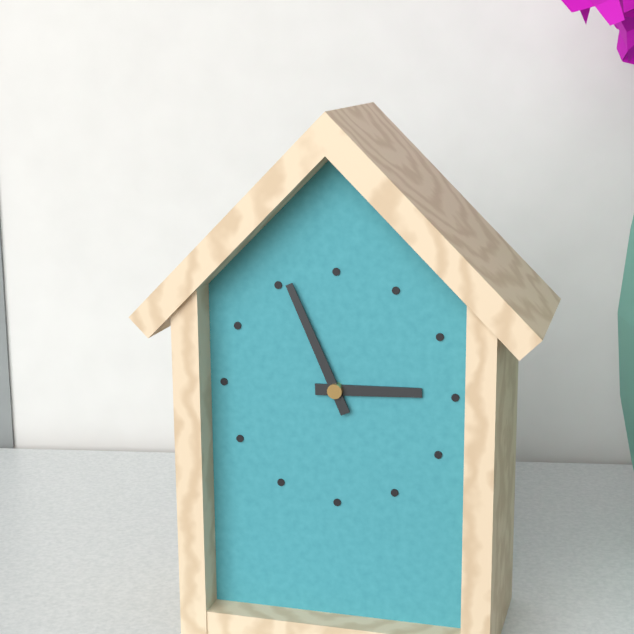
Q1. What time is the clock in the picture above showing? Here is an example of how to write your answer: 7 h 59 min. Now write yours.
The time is 2 h 56 min
